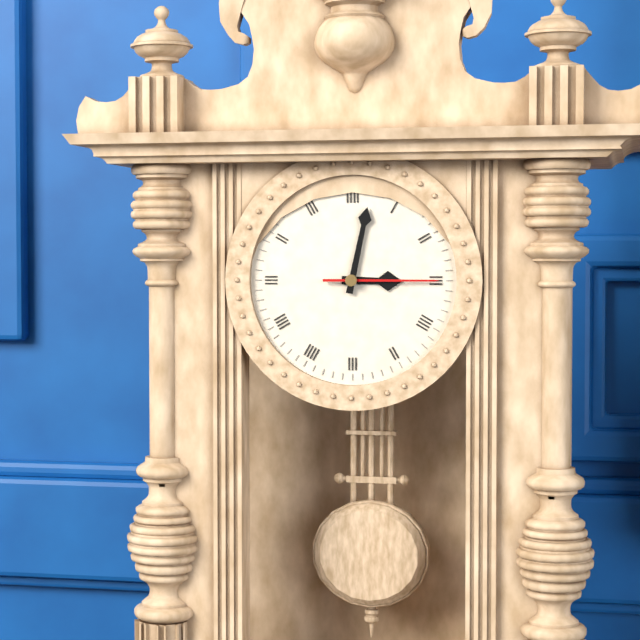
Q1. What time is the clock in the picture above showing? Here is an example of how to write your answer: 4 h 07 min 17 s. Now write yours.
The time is 3 h 02 min 15 s
